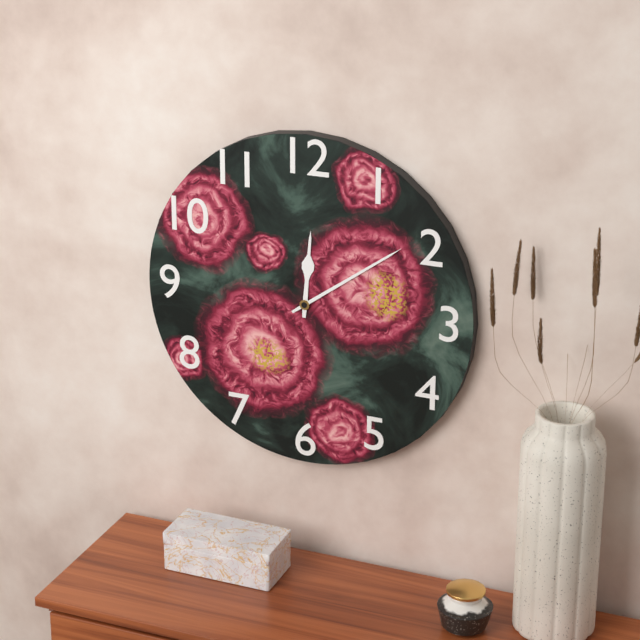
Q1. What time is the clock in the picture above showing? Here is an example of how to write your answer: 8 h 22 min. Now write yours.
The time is 12 h 09 min
